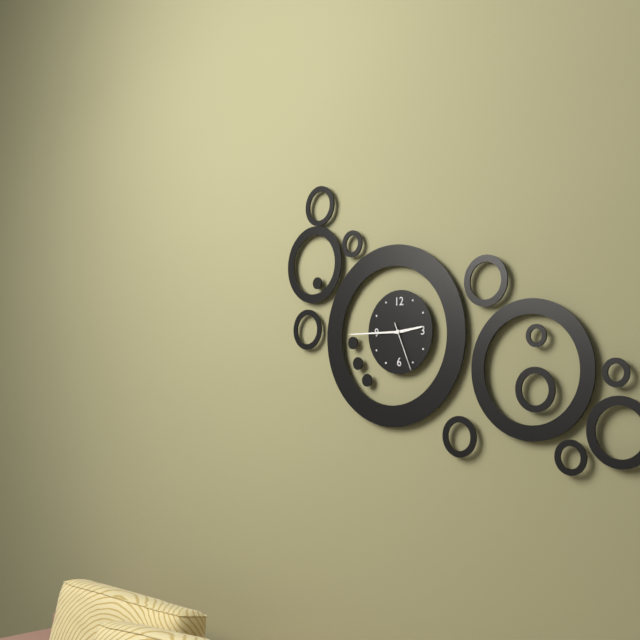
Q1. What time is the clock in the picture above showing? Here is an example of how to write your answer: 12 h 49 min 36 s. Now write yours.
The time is 2 h 45 min 26 s
